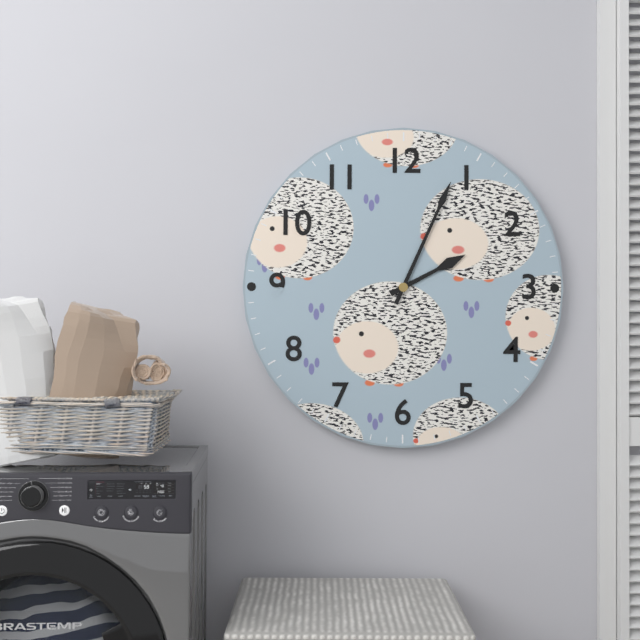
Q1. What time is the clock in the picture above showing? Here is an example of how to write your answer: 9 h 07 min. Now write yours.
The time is 2 h 04 min
